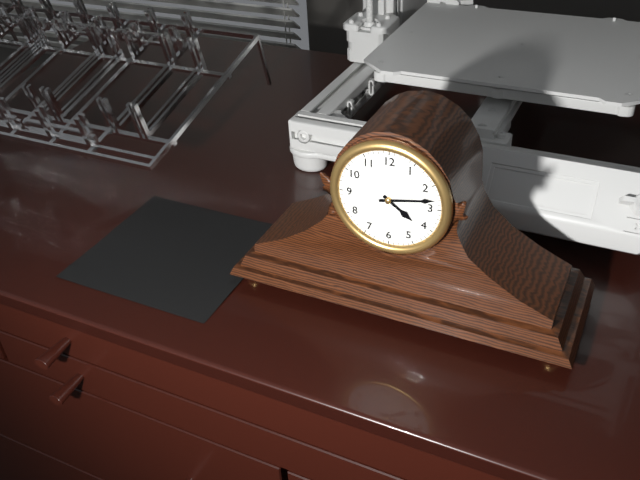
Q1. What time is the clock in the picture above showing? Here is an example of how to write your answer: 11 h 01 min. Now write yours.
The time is 4 h 13 min
